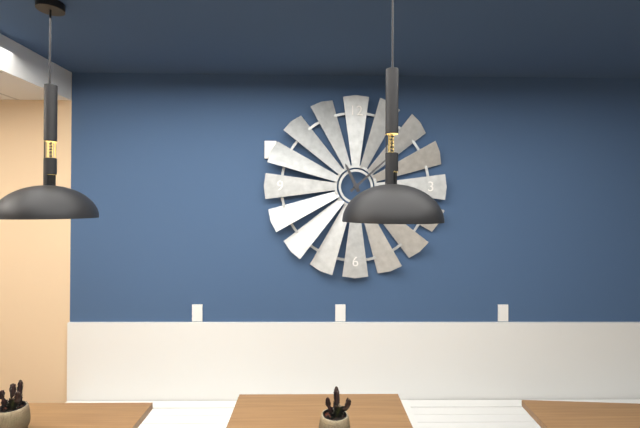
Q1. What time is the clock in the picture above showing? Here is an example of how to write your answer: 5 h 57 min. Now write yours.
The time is 11 h 08 min
